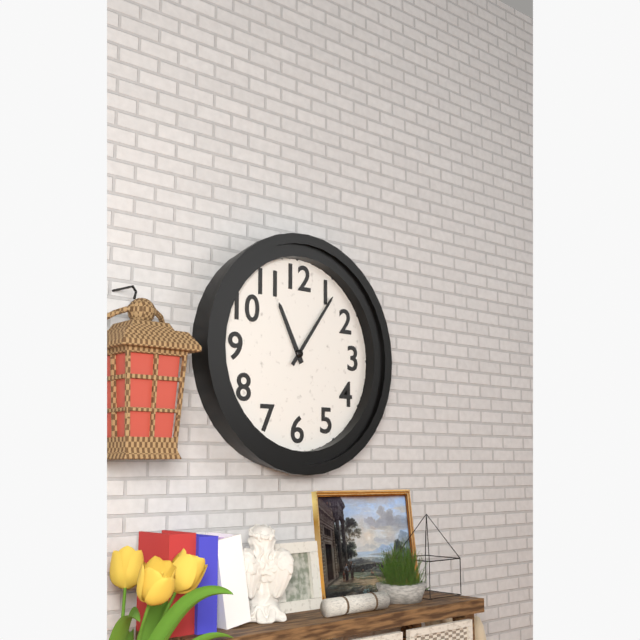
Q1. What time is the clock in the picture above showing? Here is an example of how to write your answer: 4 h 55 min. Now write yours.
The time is 11 h 06 min
